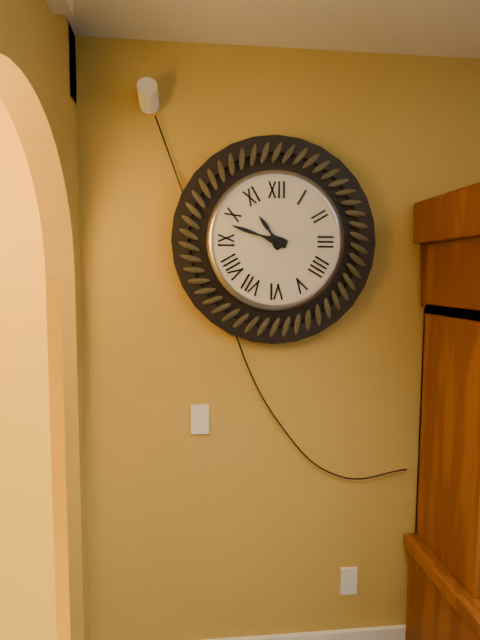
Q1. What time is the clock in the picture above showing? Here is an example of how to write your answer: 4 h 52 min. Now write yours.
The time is 10 h 48 min
